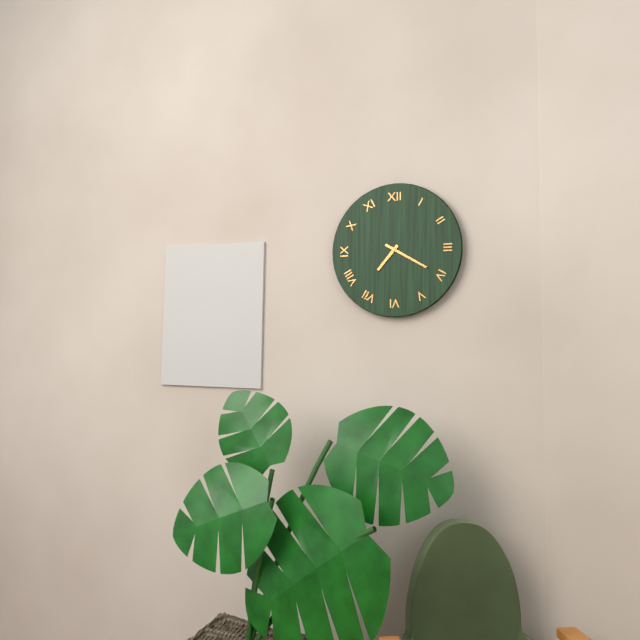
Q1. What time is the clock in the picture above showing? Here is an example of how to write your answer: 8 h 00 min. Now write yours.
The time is 7 h 20 min
